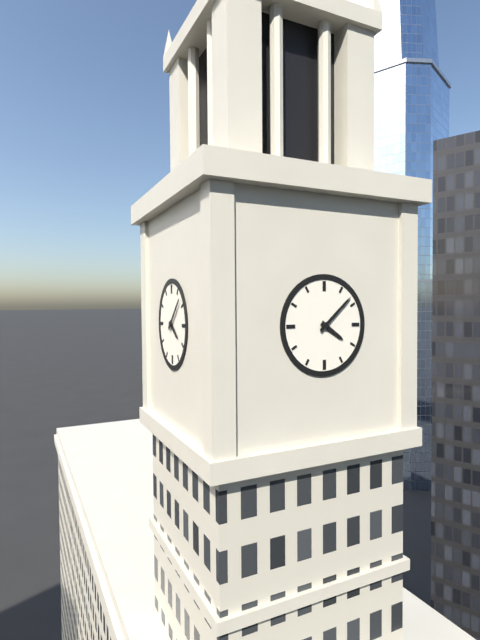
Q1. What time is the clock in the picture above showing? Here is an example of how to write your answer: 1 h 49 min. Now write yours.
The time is 4 h 08 min
